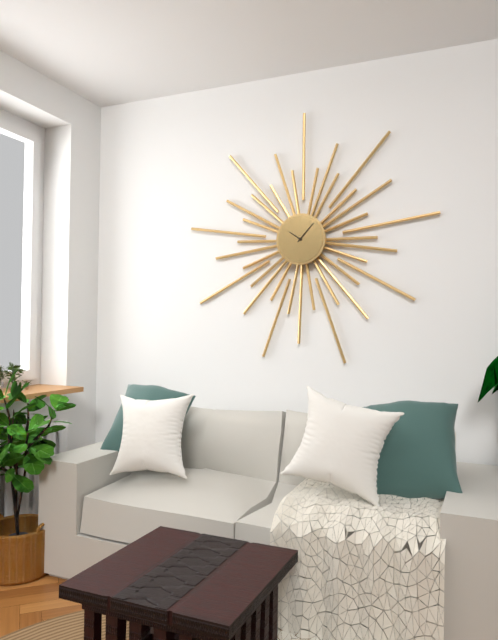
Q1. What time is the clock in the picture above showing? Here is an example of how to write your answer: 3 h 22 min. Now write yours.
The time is 10 h 07 min
